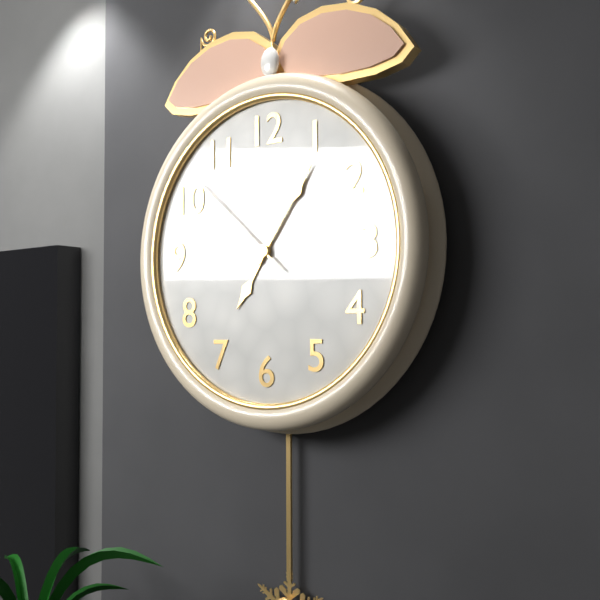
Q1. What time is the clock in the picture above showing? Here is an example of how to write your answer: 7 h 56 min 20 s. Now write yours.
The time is 7 h 06 min 52 s
